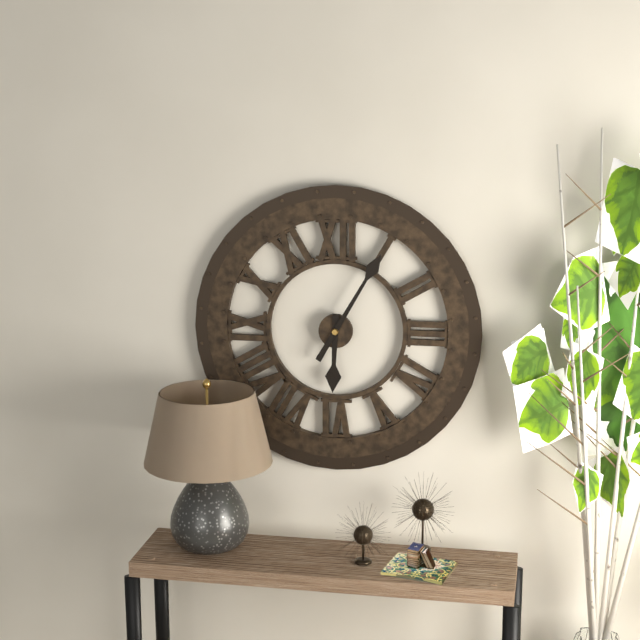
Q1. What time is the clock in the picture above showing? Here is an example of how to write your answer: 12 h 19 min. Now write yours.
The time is 6 h 05 min
